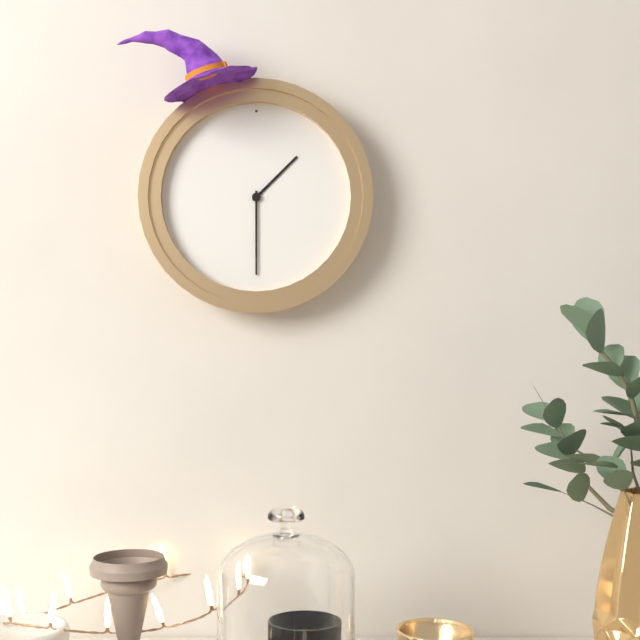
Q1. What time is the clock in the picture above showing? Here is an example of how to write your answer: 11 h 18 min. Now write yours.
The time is 1 h 30 min
